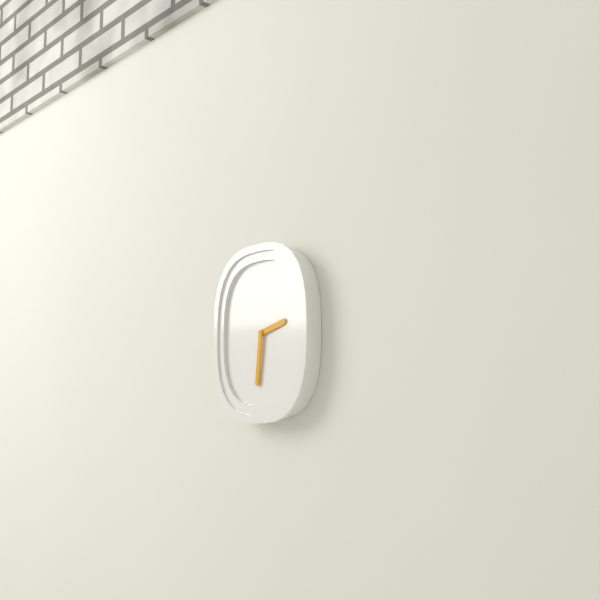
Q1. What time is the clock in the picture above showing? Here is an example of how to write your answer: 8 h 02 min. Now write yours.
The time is 2 h 31 min
